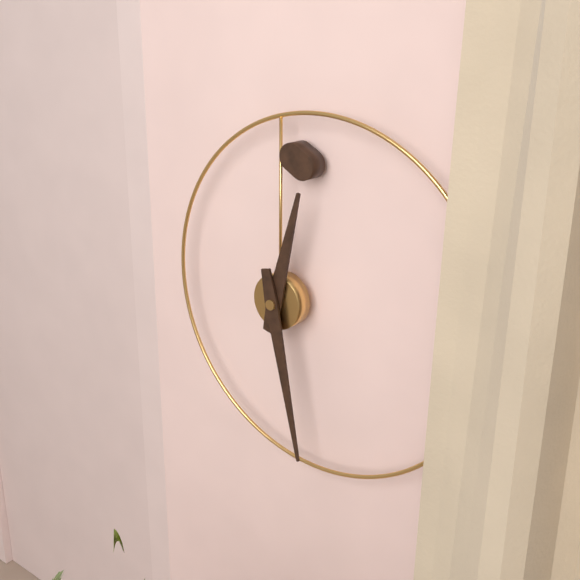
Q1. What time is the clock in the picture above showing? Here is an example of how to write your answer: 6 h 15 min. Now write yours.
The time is 12 h 28 min
